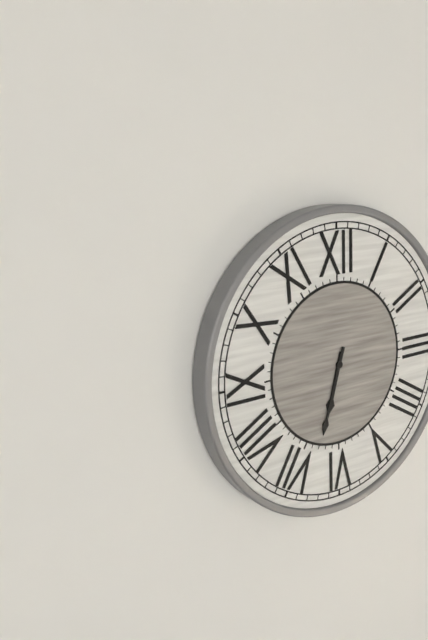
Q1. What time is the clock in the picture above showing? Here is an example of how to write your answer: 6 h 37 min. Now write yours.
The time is 6 h 33 min
